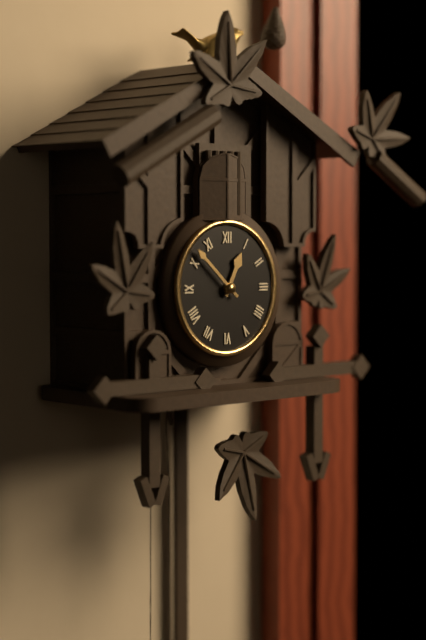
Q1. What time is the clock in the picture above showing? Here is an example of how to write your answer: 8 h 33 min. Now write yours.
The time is 12 h 52 min
